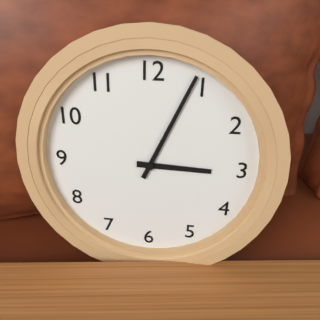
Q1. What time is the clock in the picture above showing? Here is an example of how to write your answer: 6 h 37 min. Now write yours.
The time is 3 h 04 min
